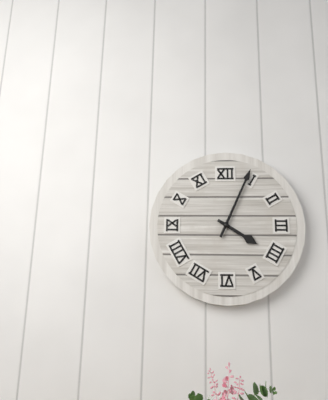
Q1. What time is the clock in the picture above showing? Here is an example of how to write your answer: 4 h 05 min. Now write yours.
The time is 4 h 04 min
